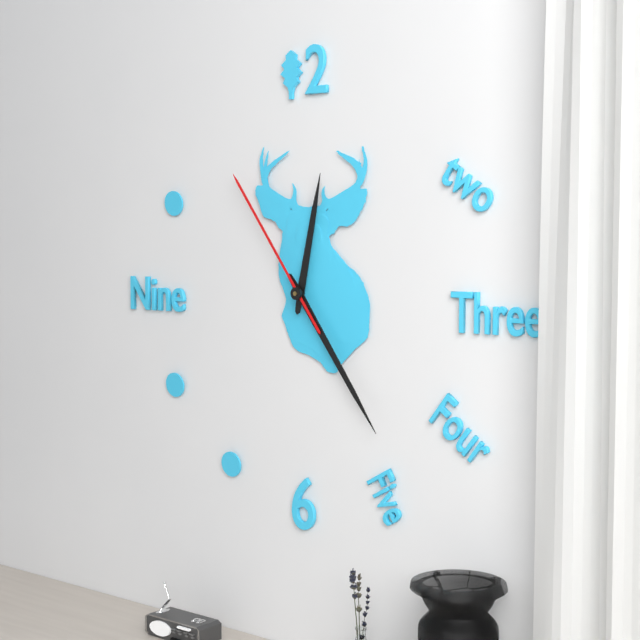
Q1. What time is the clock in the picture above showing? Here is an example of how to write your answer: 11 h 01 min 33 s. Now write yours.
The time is 12 h 24 min 54 s
